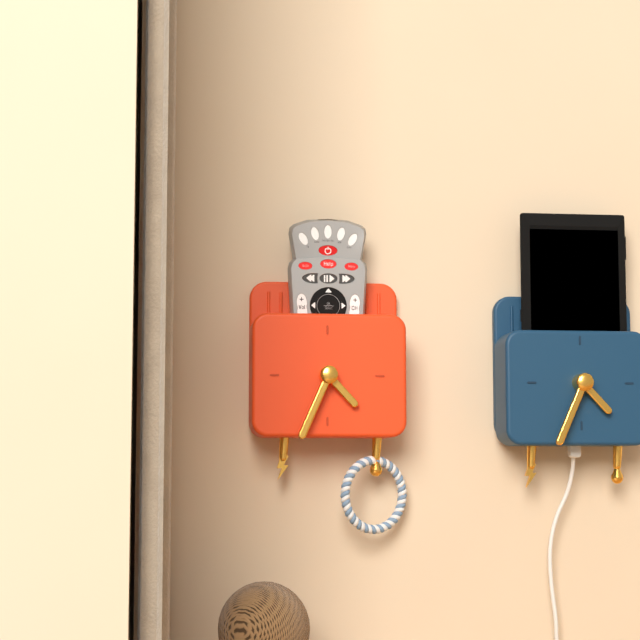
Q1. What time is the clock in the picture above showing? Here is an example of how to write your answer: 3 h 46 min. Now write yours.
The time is 4 h 34 min
